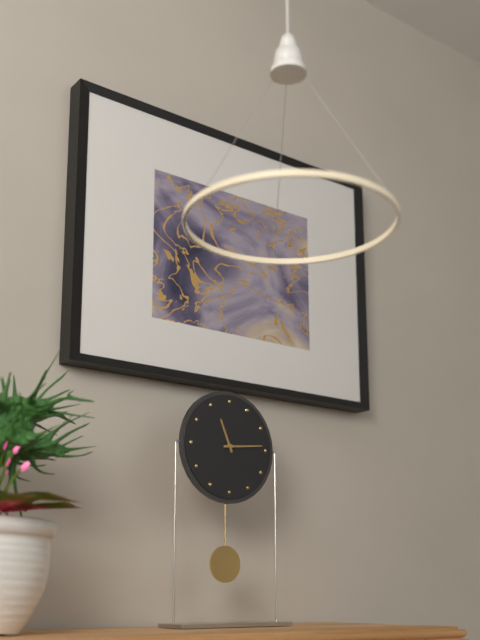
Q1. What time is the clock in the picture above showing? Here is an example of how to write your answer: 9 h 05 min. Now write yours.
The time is 11 h 14 min
